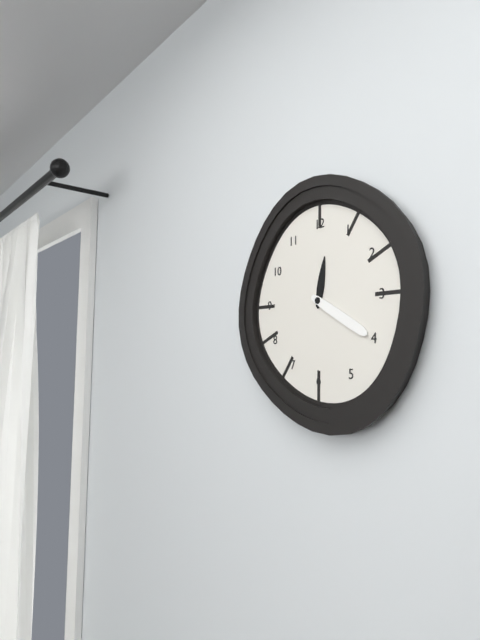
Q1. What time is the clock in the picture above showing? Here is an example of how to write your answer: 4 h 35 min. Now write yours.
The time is 12 h 20 min
